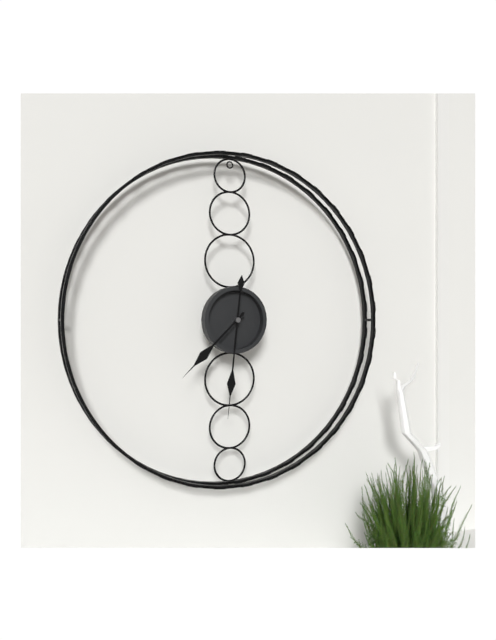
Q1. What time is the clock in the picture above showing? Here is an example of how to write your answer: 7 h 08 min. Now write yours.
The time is 7 h 31 min
